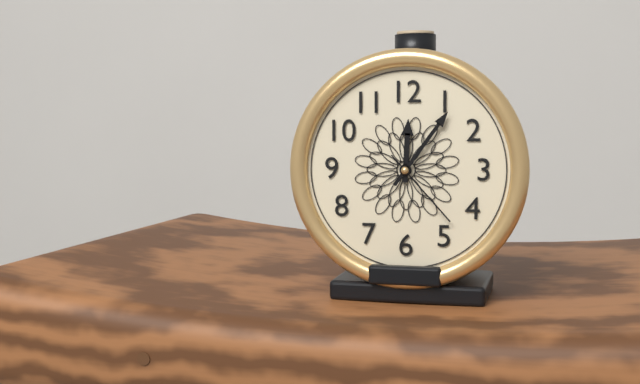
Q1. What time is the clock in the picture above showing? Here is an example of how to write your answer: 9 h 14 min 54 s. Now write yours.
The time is 12 h 06 min 23 s
